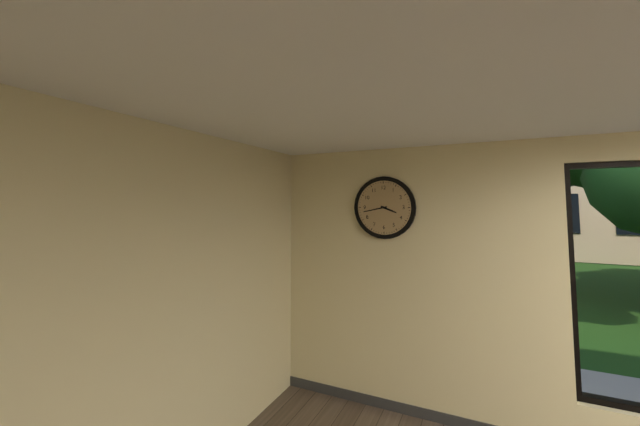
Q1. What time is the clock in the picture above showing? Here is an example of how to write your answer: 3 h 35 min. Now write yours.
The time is 3 h 43 min
